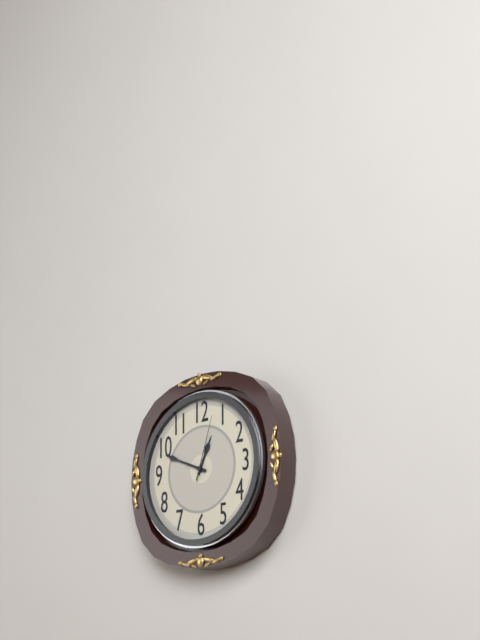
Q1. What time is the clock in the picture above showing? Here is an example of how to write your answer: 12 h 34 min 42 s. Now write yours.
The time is 12 h 49 min 03 s
